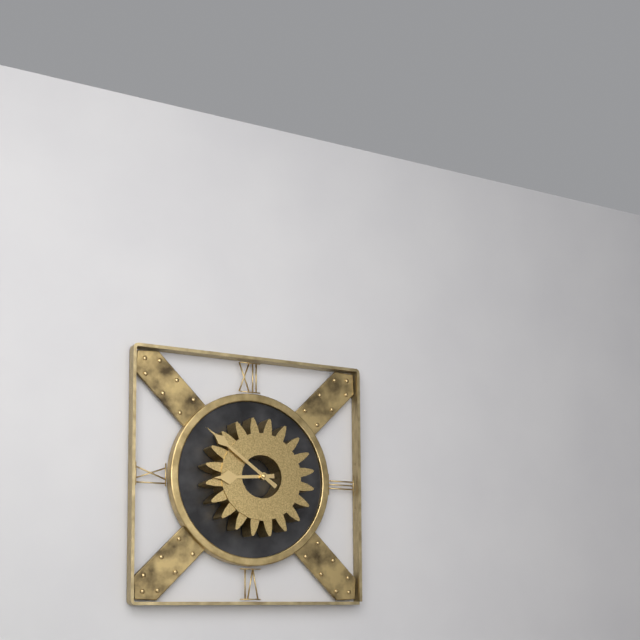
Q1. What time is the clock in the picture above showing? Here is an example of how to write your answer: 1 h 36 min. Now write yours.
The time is 8 h 51 min
